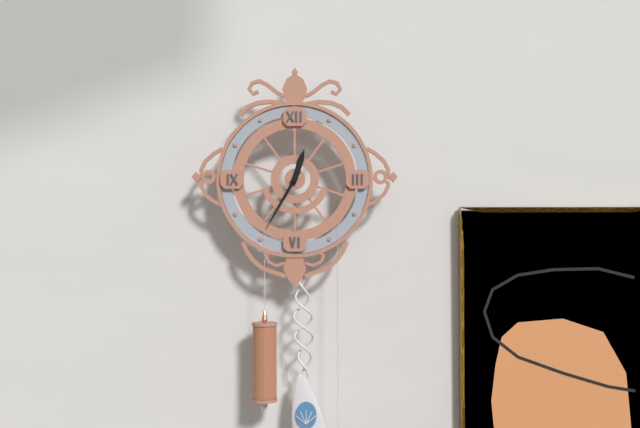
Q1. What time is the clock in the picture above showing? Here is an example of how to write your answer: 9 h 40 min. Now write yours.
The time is 12 h 35 min
